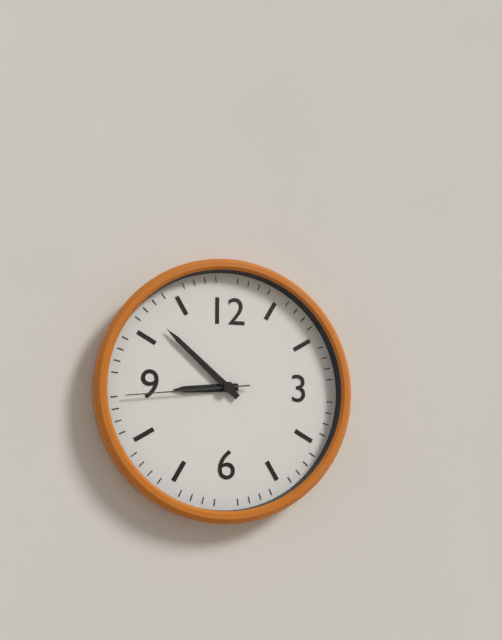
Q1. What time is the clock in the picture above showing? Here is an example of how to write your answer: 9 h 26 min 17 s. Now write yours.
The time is 8 h 52 min 44 s
